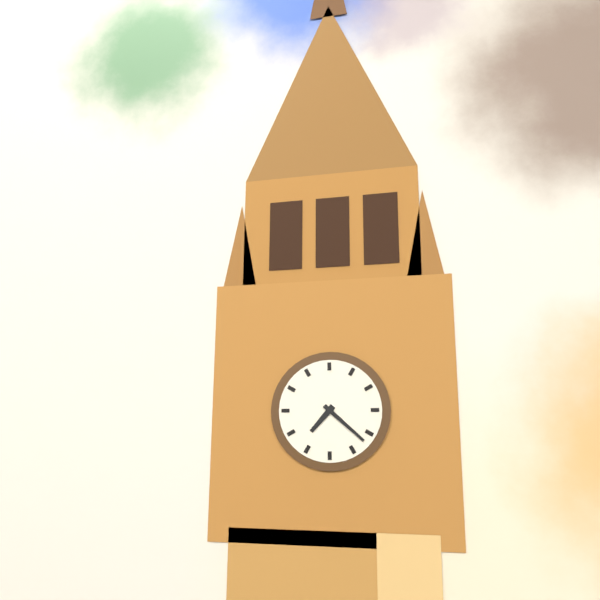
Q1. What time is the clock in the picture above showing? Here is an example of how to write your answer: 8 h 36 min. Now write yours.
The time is 7 h 22 min
